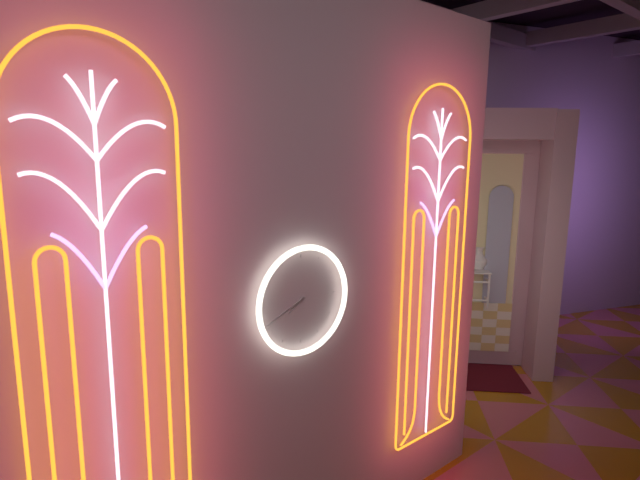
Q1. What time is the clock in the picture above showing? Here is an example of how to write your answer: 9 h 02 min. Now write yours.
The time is 7 h 41 min
